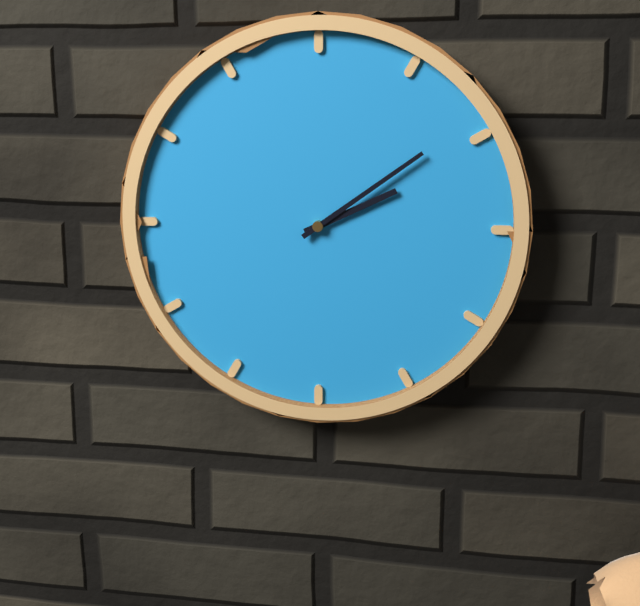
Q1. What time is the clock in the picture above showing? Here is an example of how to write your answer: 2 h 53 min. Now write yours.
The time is 2 h 09 min
